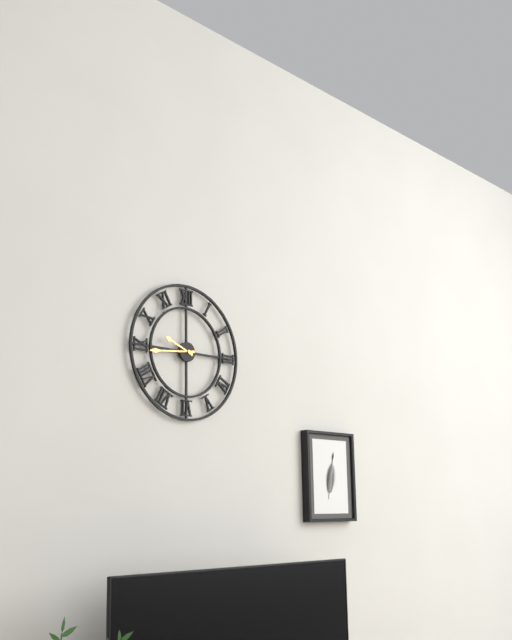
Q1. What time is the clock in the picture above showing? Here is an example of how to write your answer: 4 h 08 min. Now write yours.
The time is 9 h 44 min
